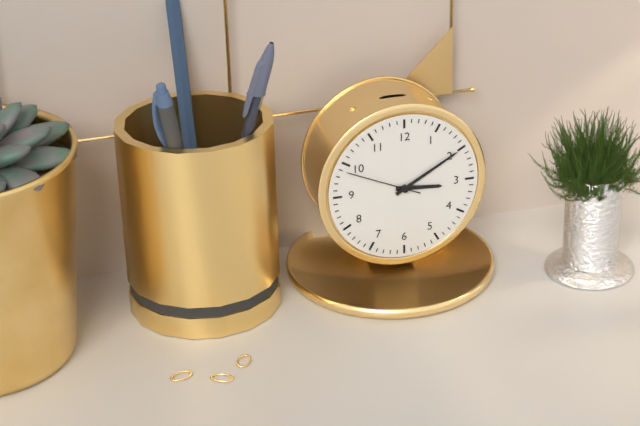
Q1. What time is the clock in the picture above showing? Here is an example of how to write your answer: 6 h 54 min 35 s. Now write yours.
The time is 3 h 10 min 49 s
